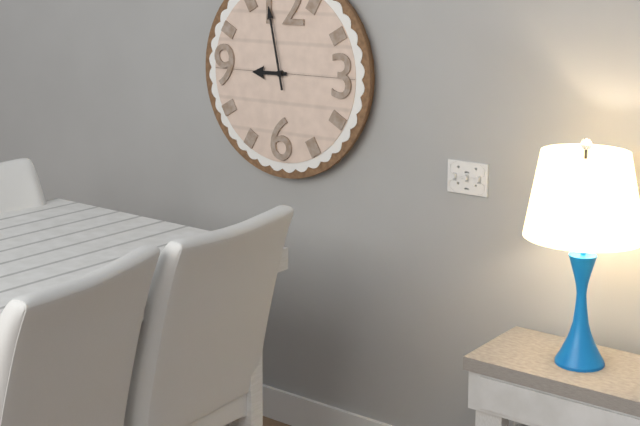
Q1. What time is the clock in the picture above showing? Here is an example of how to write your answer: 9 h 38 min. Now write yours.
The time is 8 h 58 min
